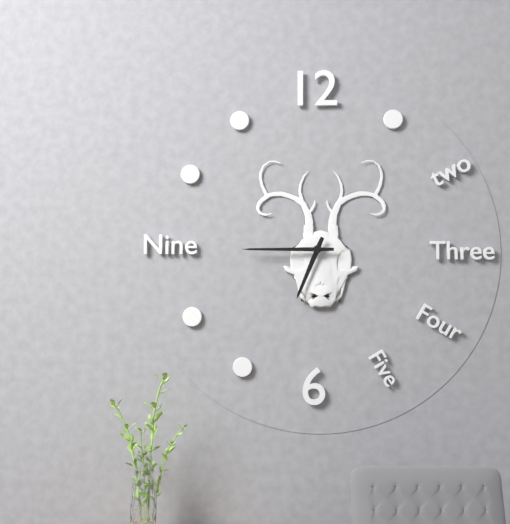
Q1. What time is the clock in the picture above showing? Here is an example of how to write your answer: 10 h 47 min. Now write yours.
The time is 6 h 45 min
